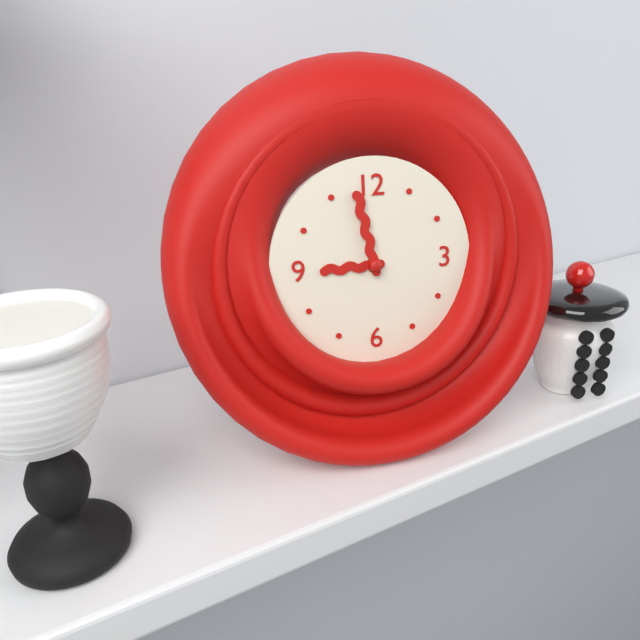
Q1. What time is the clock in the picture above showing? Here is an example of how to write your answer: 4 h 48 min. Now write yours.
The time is 8 h 58 min
